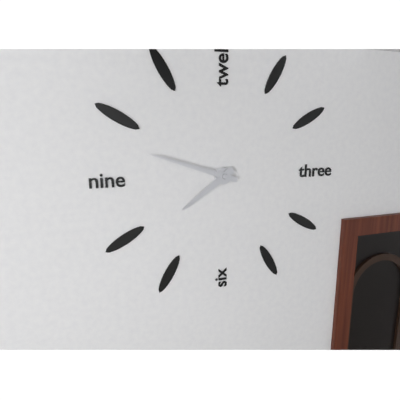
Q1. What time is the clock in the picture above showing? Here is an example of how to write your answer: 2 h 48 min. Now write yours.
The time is 7 h 48 min
